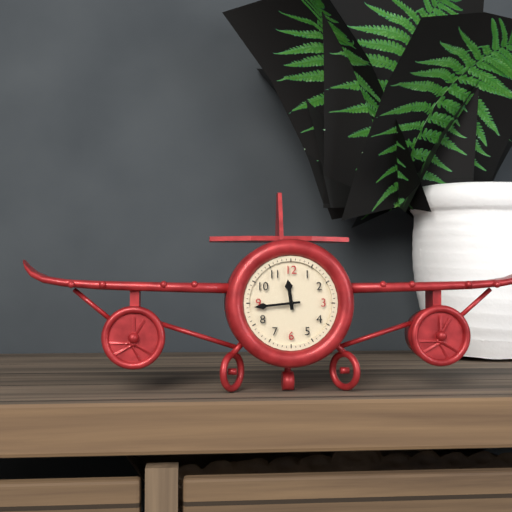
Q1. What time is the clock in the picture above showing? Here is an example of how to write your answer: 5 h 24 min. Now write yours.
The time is 11 h 44 min
